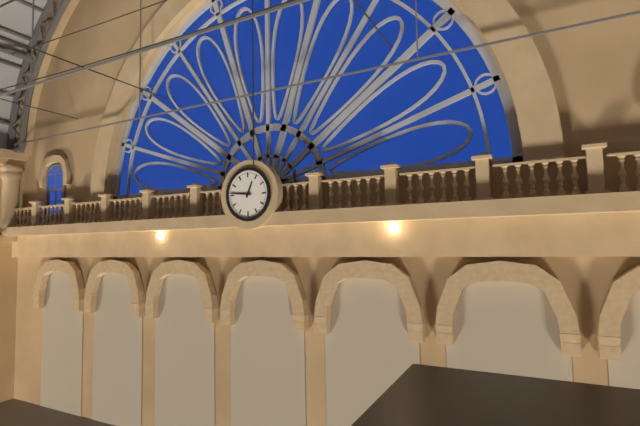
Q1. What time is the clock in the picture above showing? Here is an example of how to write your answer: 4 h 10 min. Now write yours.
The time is 12 h 46 min
